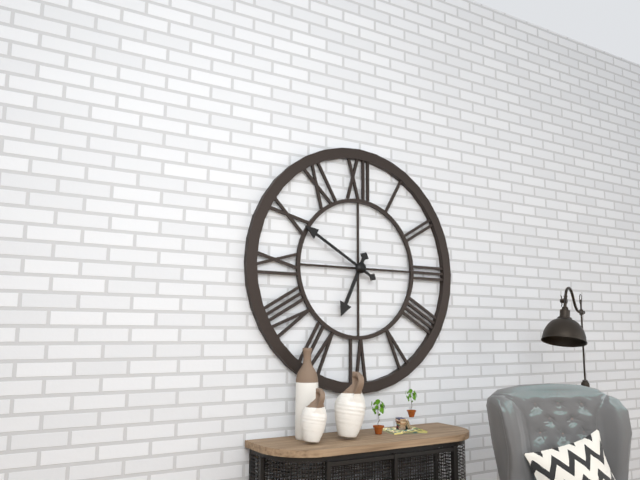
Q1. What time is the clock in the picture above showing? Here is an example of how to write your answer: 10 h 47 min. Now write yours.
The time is 6 h 50 min
